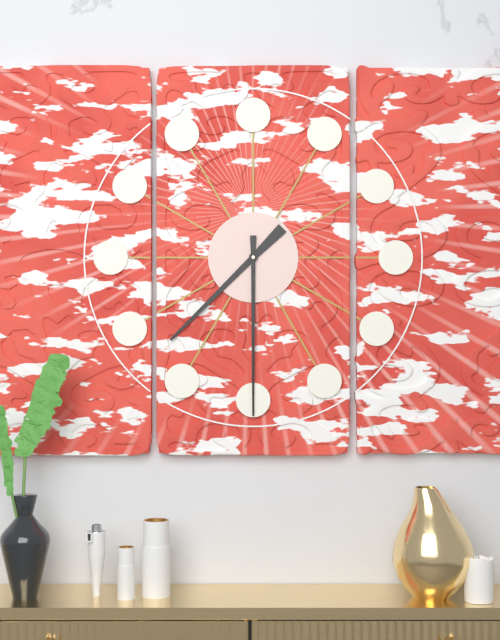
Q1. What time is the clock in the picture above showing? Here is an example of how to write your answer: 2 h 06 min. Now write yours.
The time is 7 h 30 min
